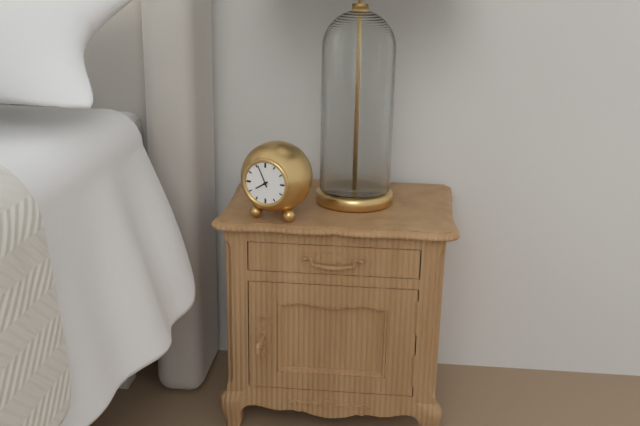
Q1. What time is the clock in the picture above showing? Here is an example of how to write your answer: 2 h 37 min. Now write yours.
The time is 7 h 56 min
